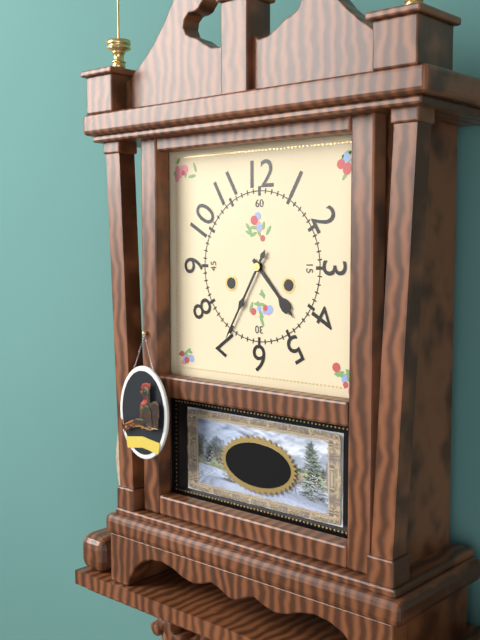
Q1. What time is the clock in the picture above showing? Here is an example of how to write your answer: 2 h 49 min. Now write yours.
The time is 4 h 35 min
